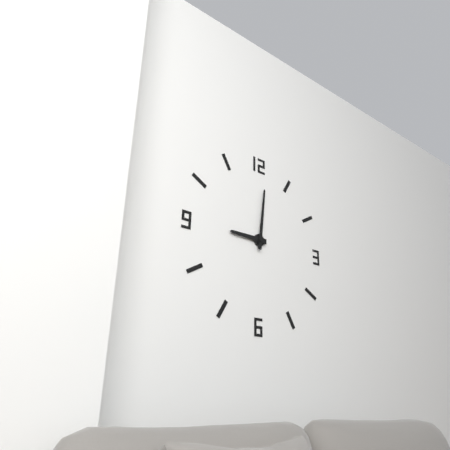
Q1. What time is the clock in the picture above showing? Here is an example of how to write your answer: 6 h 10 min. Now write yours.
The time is 9 h 01 min
